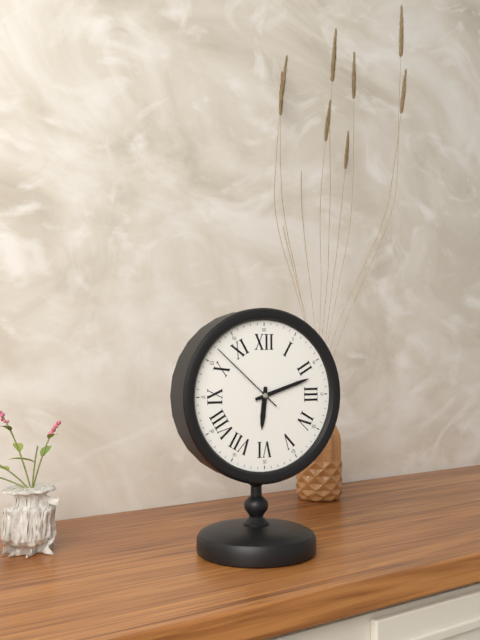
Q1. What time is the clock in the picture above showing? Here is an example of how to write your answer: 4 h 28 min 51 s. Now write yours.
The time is 6 h 12 min 52 s
